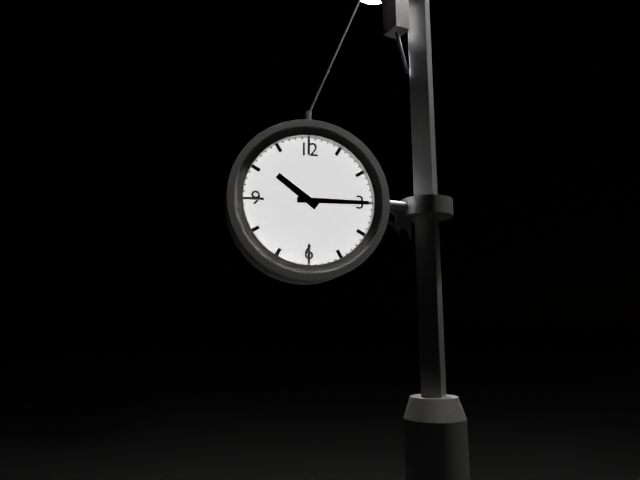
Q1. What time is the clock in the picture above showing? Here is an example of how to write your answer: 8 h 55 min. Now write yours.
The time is 10 h 15 min
